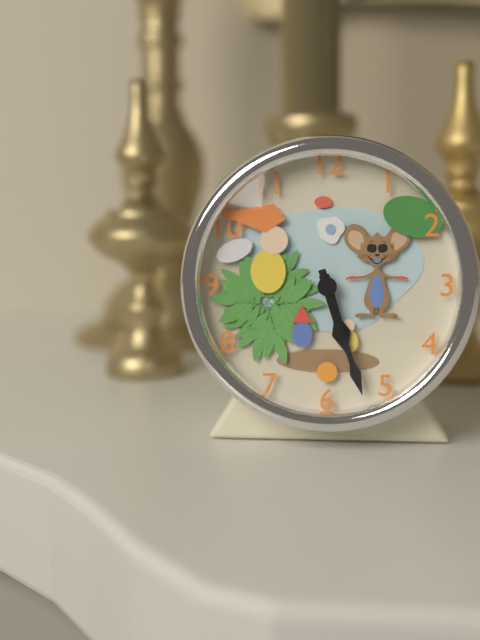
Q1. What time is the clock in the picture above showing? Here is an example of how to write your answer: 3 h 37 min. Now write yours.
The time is 5 h 27 min
